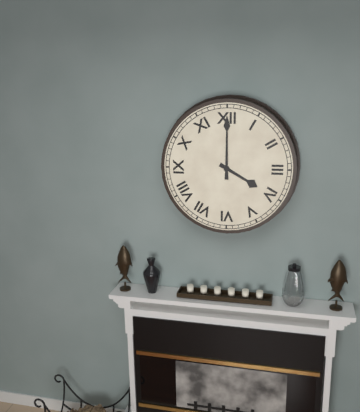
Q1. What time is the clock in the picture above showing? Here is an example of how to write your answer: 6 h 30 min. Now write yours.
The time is 4 h 00 min
